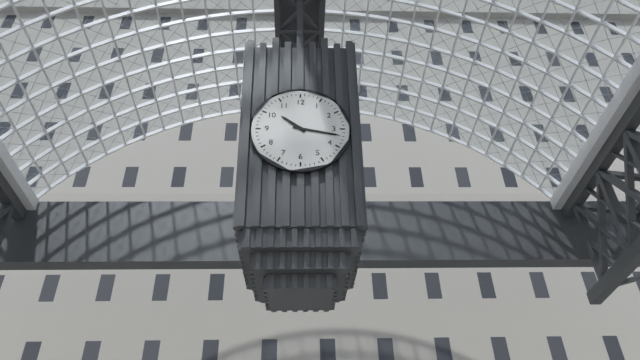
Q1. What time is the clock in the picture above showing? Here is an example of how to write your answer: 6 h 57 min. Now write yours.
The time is 10 h 17 min
